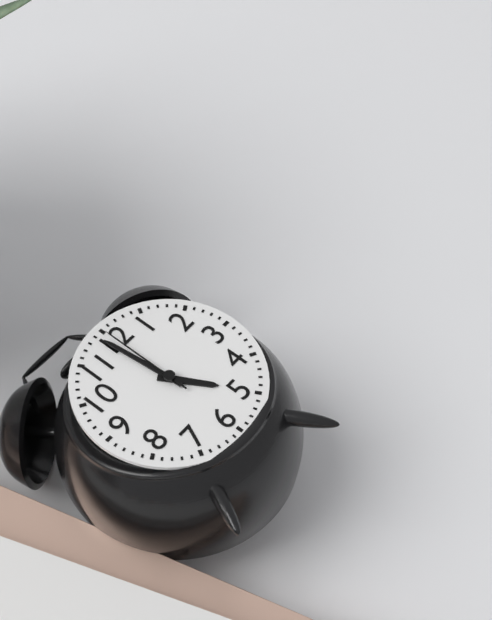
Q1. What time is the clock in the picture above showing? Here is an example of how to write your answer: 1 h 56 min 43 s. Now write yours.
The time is 4 h 59 min 00 s
